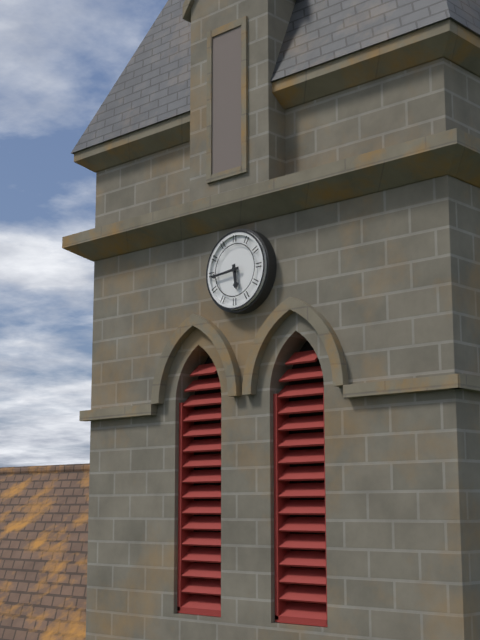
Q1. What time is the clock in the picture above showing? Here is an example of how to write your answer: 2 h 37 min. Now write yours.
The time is 5 h 44 min
